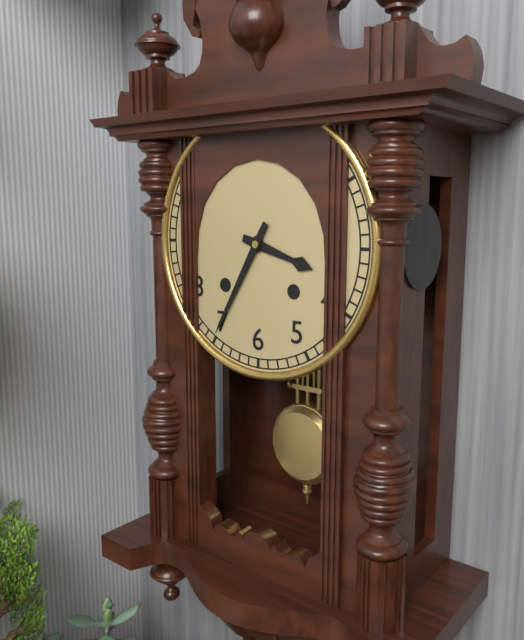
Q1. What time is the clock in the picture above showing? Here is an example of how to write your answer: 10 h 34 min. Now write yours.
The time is 3 h 35 min
